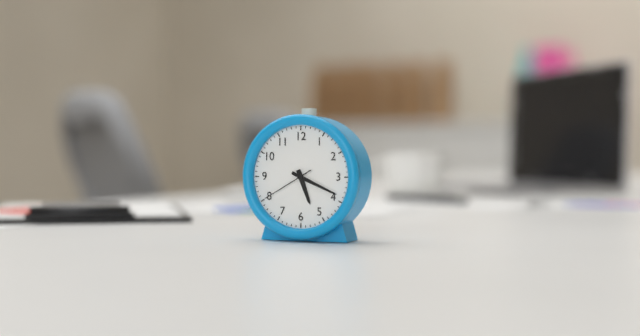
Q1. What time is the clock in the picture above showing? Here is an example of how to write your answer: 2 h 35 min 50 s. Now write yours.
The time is 5 h 19 min 40 s
